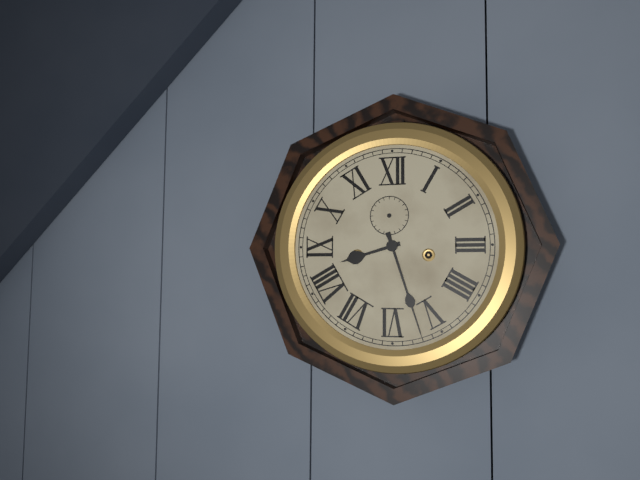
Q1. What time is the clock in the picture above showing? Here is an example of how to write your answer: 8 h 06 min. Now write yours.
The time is 8 h 27 min
